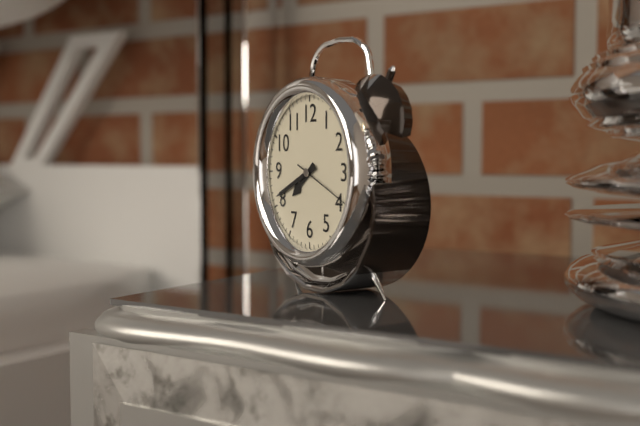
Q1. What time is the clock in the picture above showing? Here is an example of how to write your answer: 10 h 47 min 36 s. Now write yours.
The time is 7 h 41 min 19 s
